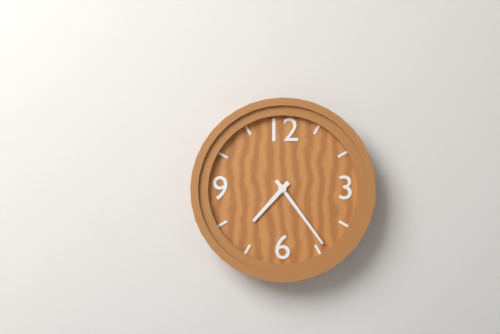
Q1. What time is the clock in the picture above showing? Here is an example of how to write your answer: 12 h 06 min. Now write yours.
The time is 7 h 24 min
